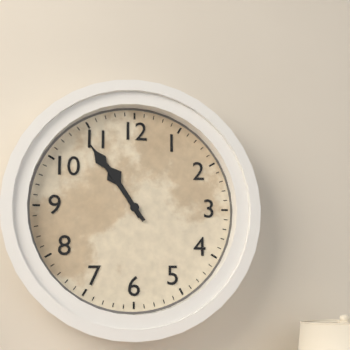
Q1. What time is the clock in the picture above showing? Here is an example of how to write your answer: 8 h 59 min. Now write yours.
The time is 10 h 54 min
